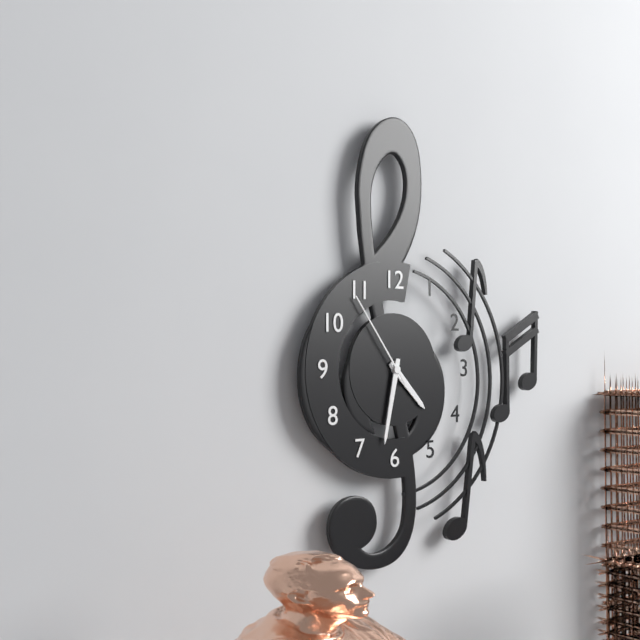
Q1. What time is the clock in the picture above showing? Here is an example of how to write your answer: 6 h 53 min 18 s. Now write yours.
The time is 4 h 32 min 54 s
